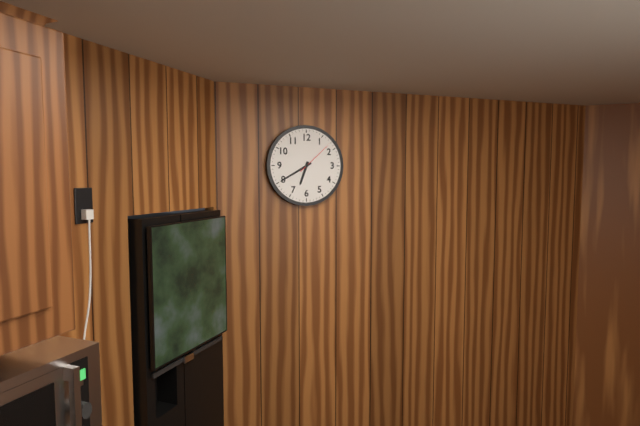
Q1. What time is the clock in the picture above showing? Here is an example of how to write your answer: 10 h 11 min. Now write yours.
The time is 6 h 40 min
